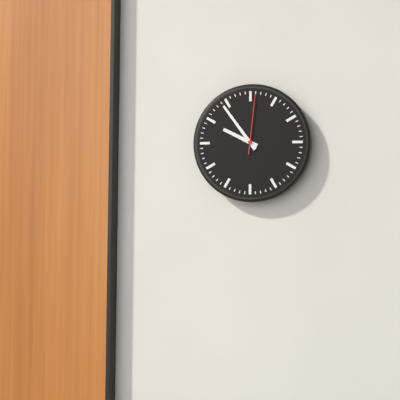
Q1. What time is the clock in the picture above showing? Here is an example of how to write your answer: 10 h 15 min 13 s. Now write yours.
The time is 9 h 54 min 01 s
